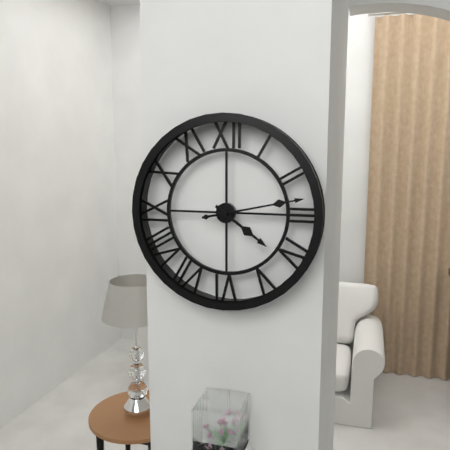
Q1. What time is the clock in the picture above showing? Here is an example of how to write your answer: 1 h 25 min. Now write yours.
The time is 4 h 13 min
